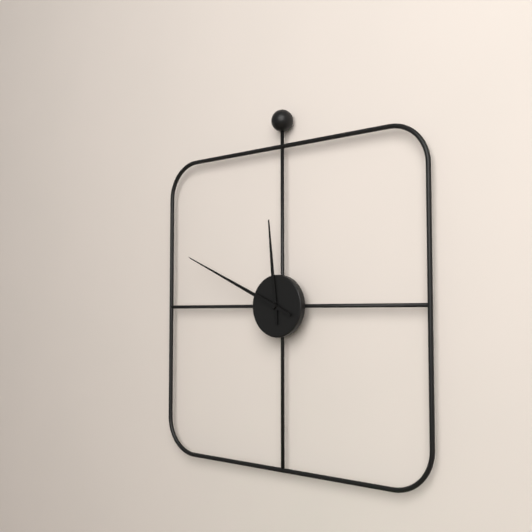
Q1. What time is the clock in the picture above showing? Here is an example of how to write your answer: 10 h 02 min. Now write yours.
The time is 11 h 49 min
